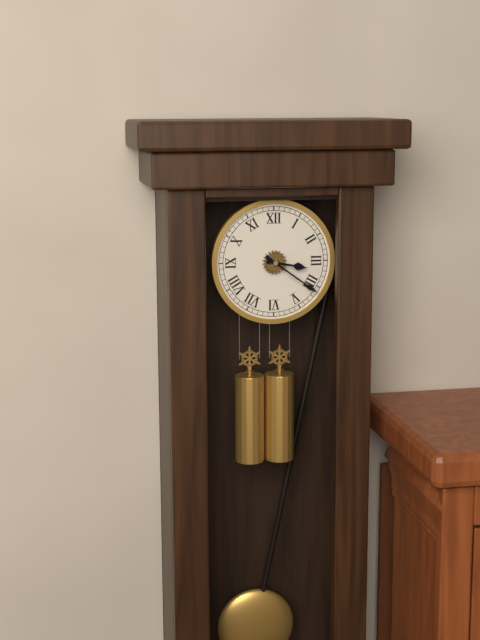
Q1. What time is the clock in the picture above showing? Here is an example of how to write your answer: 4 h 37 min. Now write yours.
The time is 3 h 21 min
